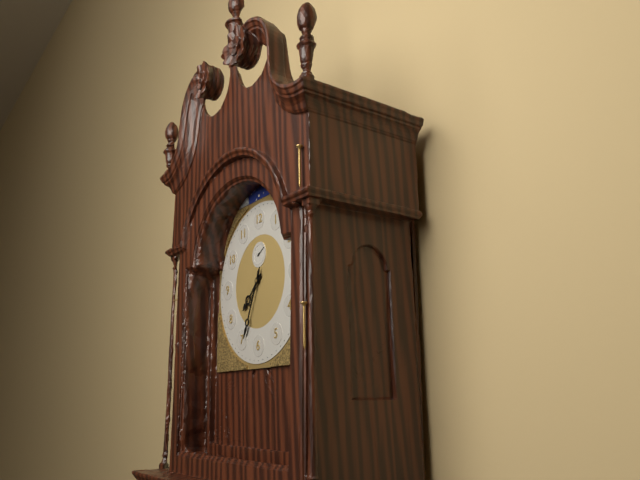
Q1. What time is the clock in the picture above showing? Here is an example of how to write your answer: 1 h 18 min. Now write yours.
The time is 7 h 34 min
